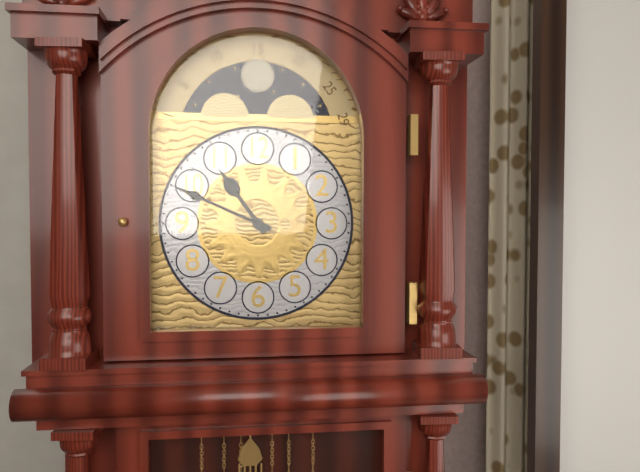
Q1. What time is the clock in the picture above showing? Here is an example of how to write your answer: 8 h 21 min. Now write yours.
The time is 10 h 49 min
